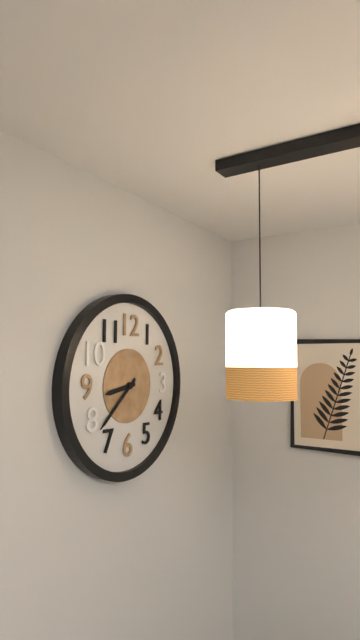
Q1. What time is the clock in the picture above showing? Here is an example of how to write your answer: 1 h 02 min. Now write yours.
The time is 8 h 38 min
